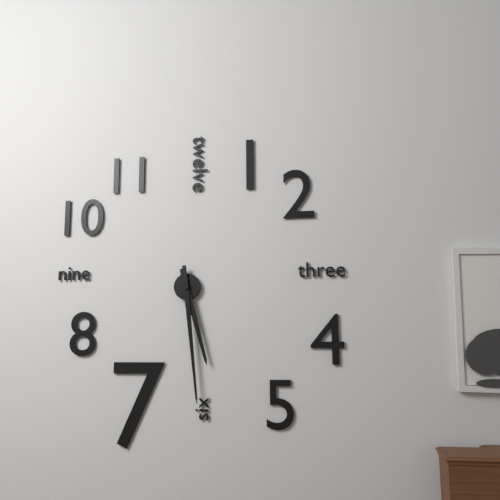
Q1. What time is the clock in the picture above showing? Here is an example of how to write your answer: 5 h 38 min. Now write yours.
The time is 5 h 29 min
